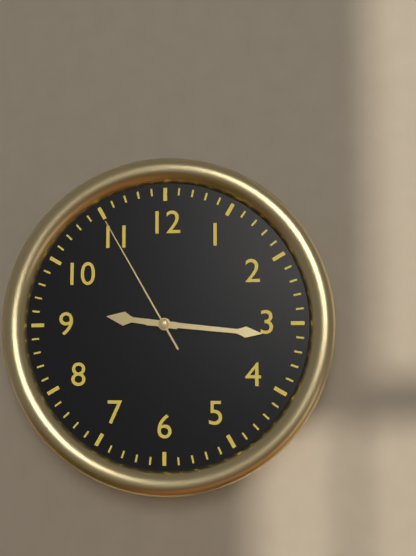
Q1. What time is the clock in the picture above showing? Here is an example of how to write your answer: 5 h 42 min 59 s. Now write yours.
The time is 9 h 16 min 55 s
